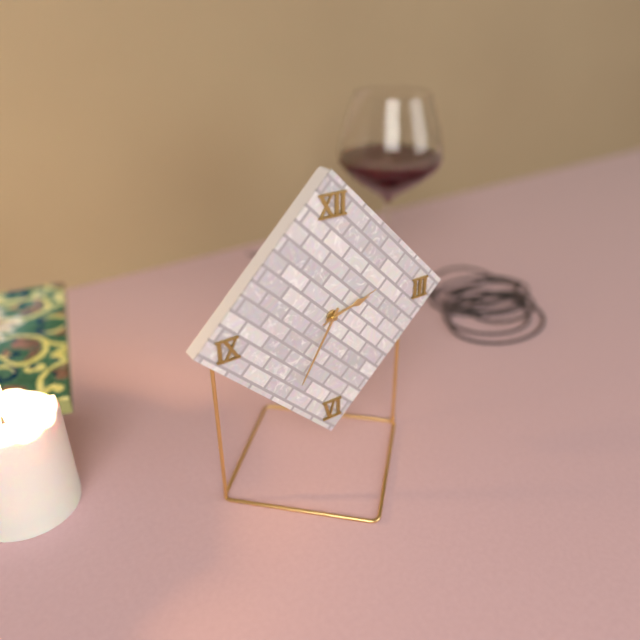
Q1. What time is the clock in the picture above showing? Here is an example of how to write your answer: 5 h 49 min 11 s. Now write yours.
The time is 2 h 35 min 12 s
